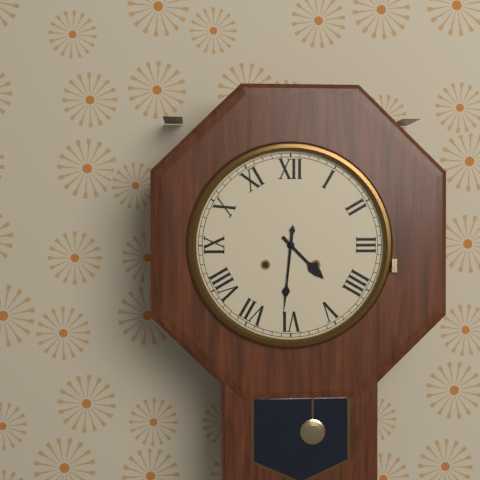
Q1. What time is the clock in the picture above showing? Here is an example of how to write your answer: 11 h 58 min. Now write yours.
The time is 4 h 31 min
